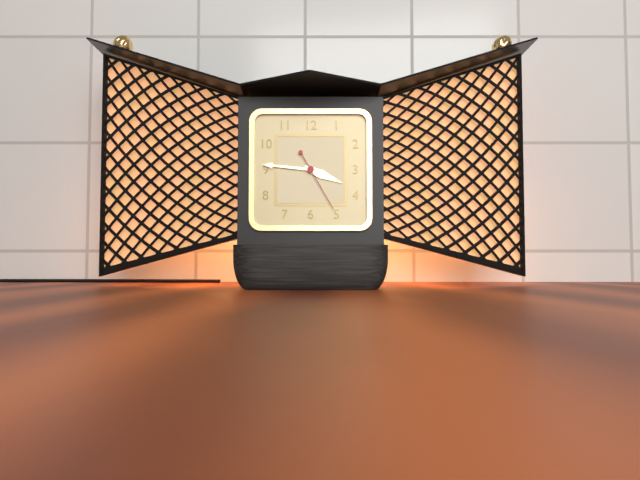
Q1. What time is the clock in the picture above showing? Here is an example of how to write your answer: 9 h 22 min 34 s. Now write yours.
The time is 3 h 46 min 25 s
